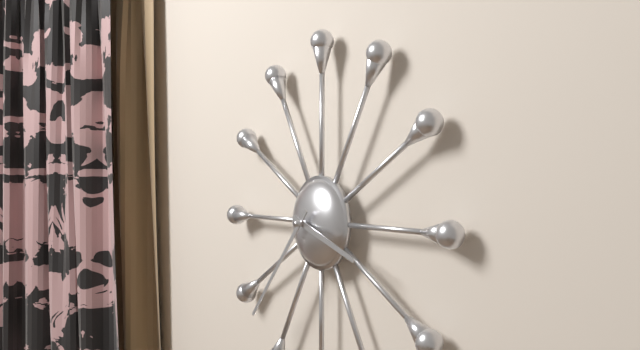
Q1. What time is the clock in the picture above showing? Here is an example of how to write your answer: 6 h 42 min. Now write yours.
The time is 3 h 37 min
